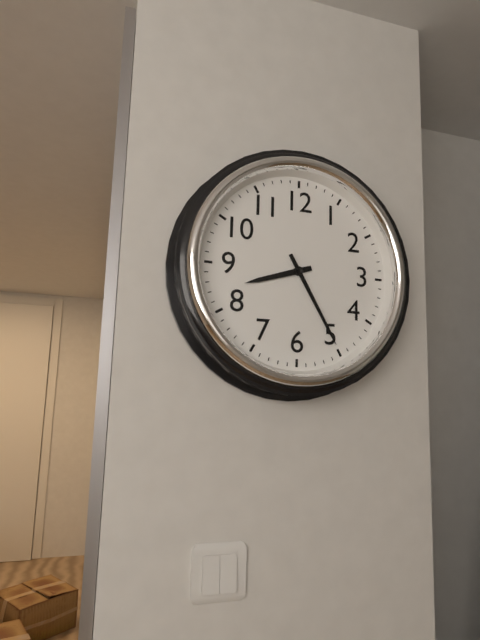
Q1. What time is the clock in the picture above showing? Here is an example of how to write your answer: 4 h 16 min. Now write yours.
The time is 8 h 25 min
